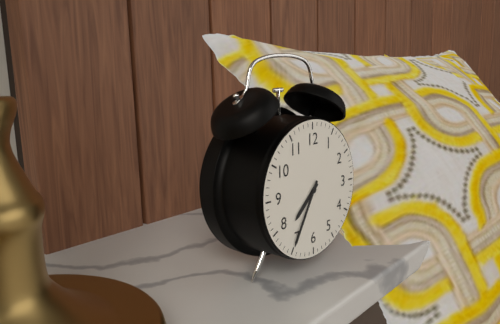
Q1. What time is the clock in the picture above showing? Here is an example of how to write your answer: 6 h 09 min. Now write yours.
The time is 7 h 35 min
